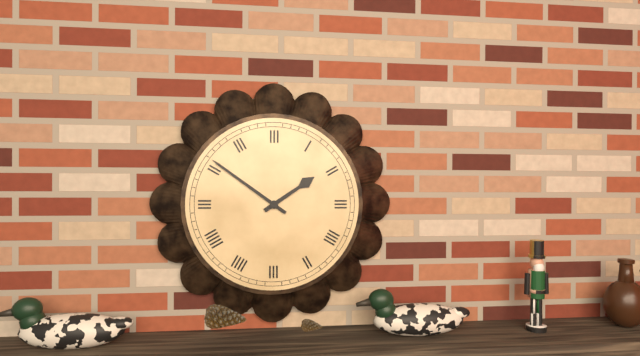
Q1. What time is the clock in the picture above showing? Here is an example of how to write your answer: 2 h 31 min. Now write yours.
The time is 1 h 51 min
